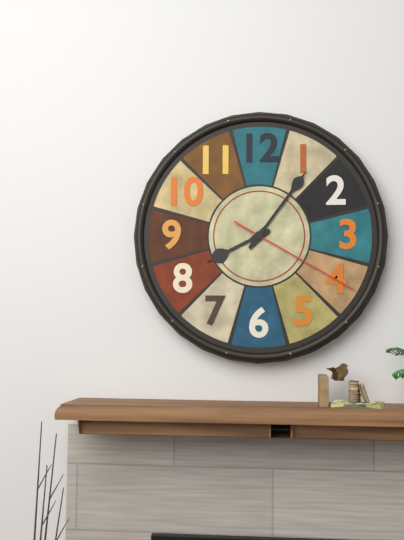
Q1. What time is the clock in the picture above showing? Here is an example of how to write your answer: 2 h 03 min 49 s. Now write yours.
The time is 8 h 06 min 20 s
